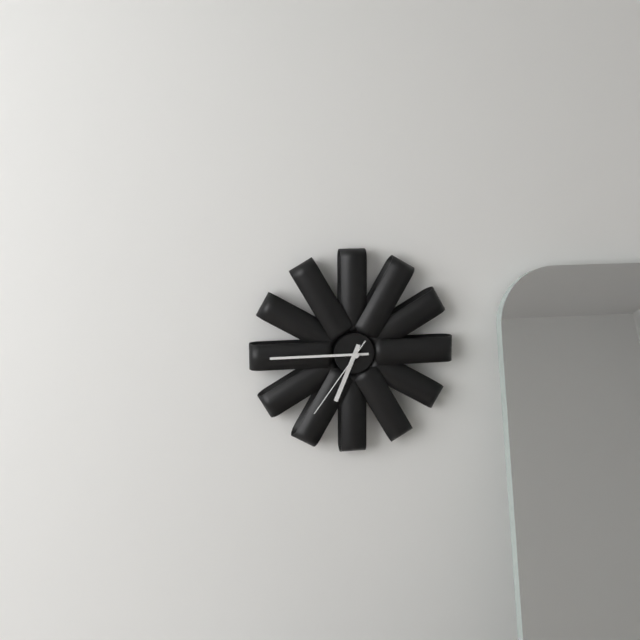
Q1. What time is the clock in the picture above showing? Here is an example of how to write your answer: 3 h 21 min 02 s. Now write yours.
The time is 6 h 45 min 36 s
